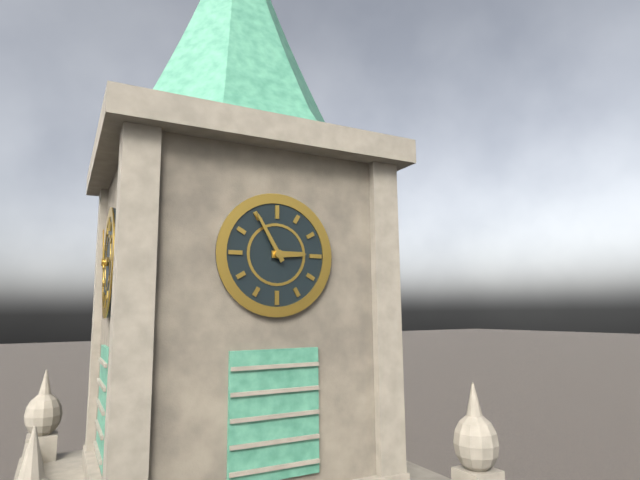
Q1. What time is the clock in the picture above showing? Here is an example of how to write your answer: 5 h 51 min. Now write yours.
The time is 2 h 55 min
